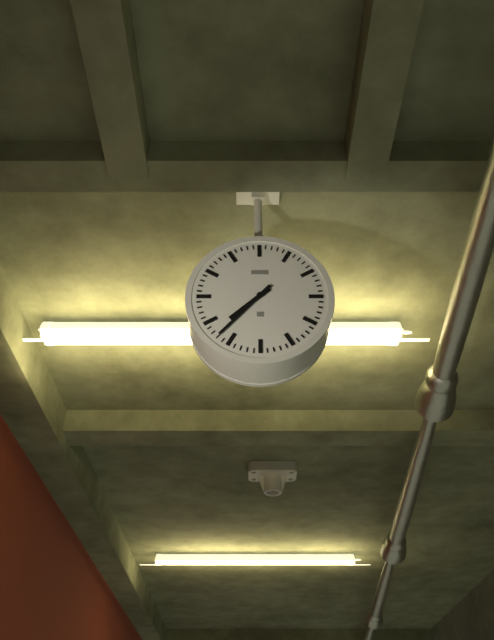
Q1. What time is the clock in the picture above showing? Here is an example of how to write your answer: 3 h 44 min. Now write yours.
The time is 7 h 37 min
